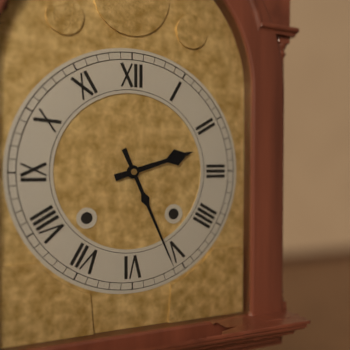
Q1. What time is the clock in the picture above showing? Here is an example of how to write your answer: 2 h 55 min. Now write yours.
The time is 2 h 26 min
